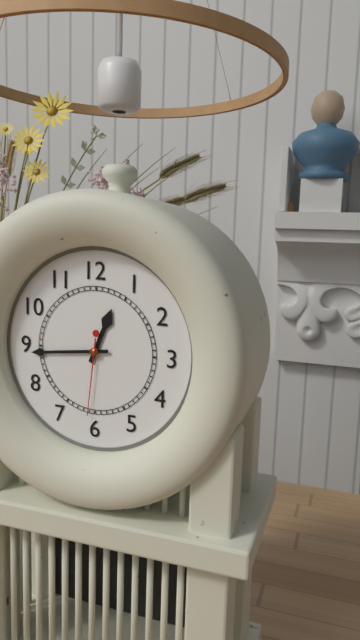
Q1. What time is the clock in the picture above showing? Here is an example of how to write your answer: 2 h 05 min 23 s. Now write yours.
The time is 12 h 44 min 31 s
